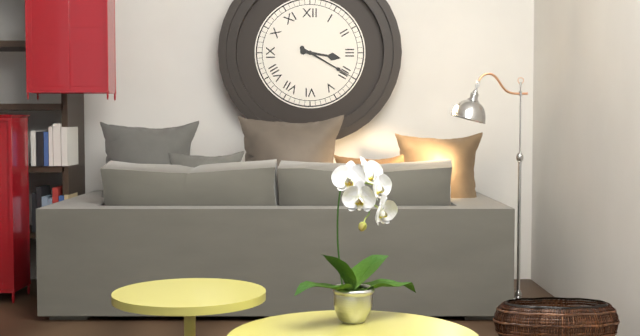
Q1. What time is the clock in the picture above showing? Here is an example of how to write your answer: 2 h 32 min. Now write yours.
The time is 3 h 20 min
